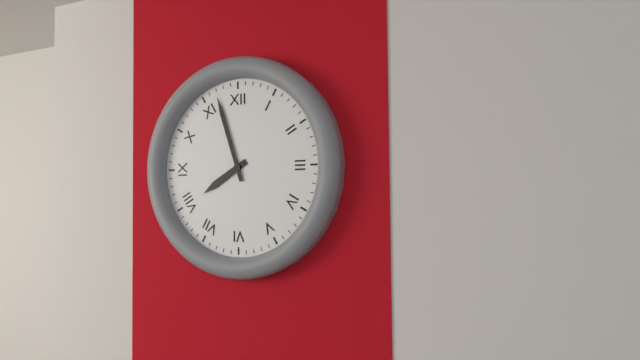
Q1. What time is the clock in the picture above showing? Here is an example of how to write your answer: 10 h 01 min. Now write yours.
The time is 7 h 57 min
